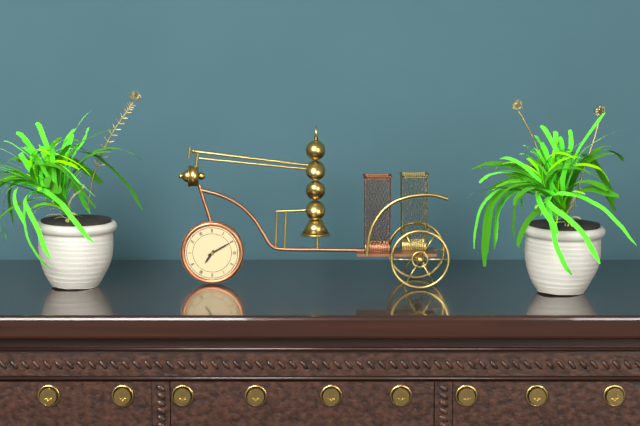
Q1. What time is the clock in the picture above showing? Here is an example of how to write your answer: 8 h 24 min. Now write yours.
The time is 7 h 10 min
